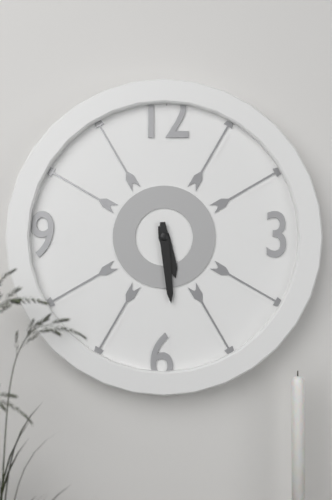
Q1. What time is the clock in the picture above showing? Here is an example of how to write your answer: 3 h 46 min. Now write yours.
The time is 5 h 29 min
